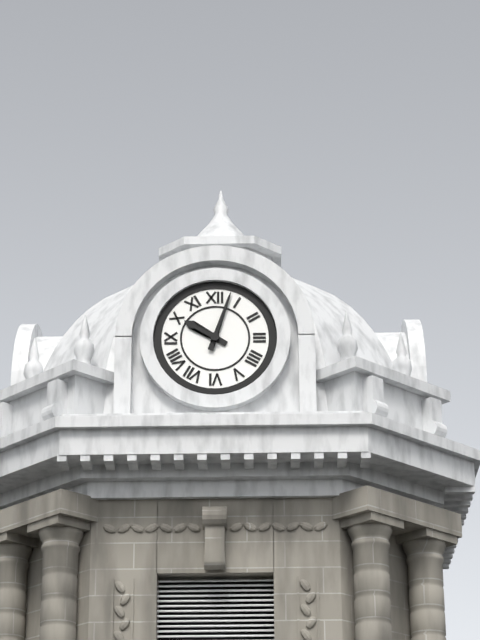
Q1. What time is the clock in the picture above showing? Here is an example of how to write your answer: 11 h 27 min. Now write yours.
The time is 10 h 03 min
